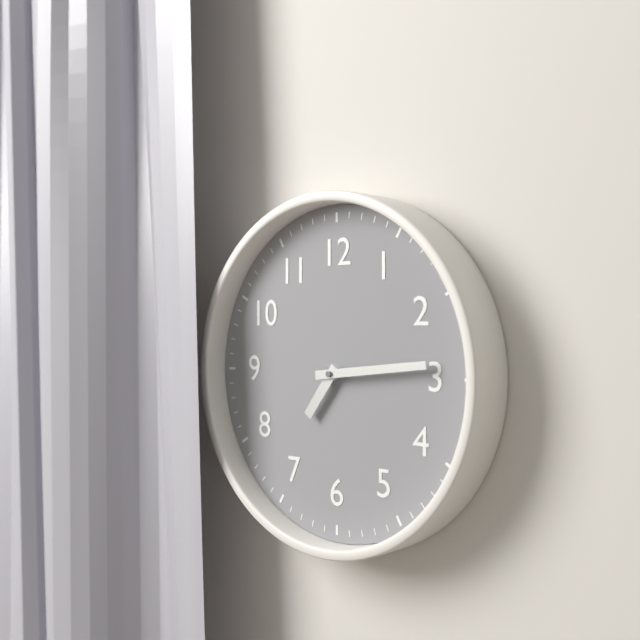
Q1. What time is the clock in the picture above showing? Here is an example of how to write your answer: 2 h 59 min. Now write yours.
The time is 7 h 14 min
